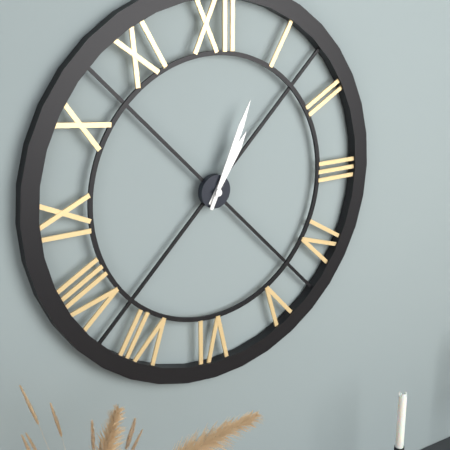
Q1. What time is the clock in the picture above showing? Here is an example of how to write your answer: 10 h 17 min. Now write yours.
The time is 1 h 04 min
